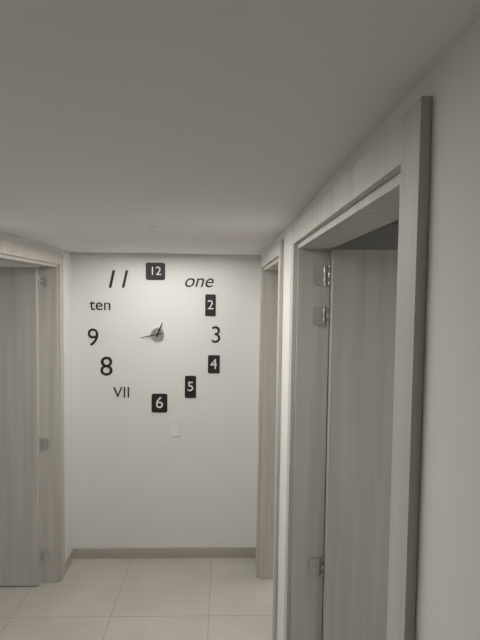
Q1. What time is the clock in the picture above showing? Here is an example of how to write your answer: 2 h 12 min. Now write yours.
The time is 12 h 43 min
